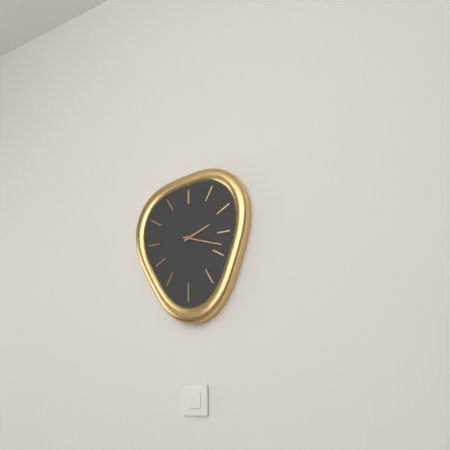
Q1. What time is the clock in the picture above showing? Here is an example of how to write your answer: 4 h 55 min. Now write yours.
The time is 2 h 18 min
